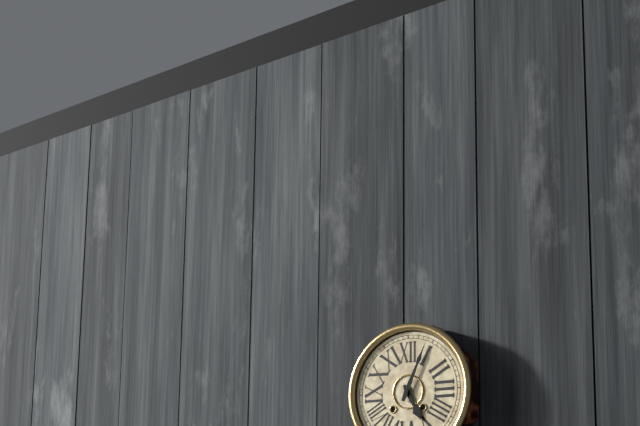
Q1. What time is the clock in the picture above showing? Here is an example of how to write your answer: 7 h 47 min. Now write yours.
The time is 5 h 04 min
